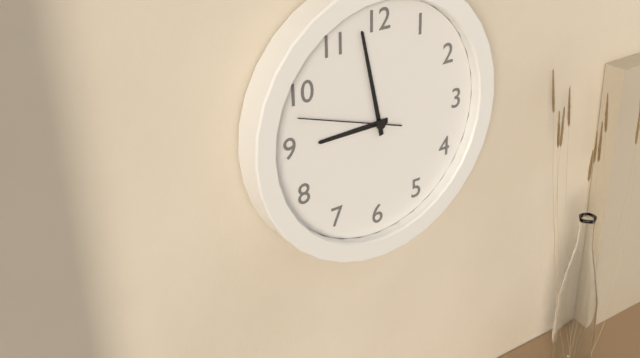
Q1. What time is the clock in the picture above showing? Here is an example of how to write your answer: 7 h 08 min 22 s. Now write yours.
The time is 8 h 58 min 48 s
